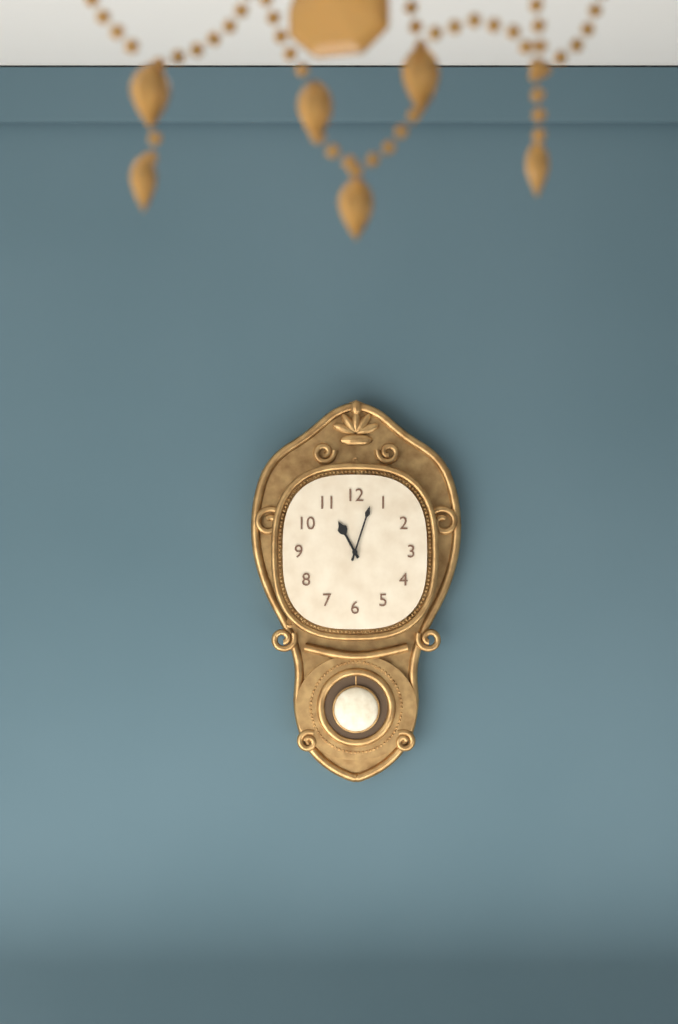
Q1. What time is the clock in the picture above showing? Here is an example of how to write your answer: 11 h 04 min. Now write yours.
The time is 11 h 03 min
